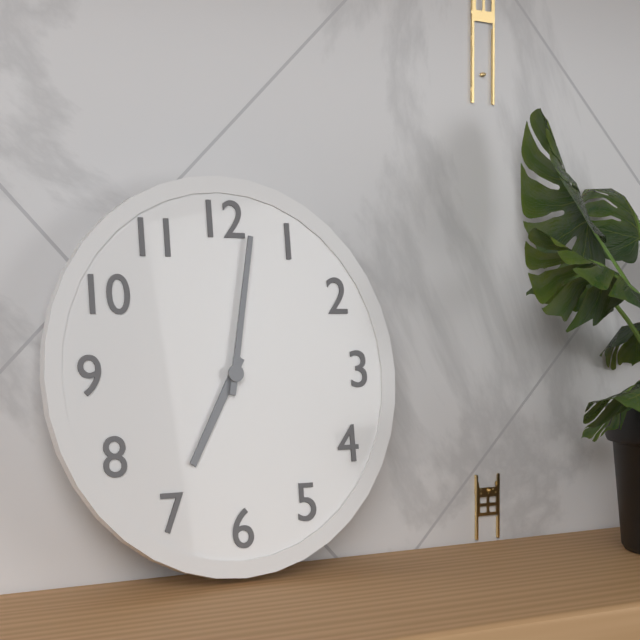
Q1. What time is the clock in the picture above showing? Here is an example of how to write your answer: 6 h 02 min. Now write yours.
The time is 7 h 02 min
